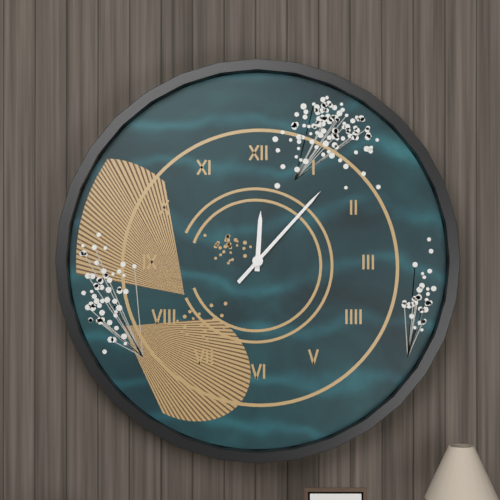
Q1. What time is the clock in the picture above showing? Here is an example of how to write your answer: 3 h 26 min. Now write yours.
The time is 12 h 07 min
